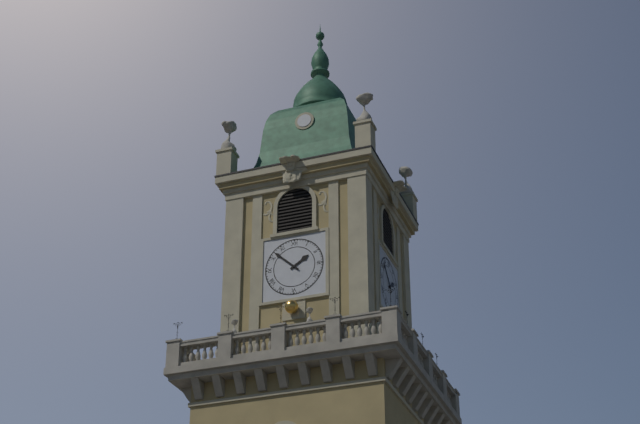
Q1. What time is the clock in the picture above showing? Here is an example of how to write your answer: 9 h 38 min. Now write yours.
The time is 1 h 52 min
